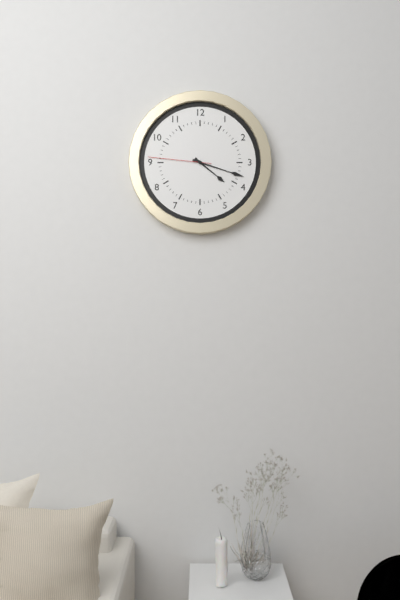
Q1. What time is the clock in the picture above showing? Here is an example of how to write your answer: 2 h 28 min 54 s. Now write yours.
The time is 4 h 18 min 46 s
